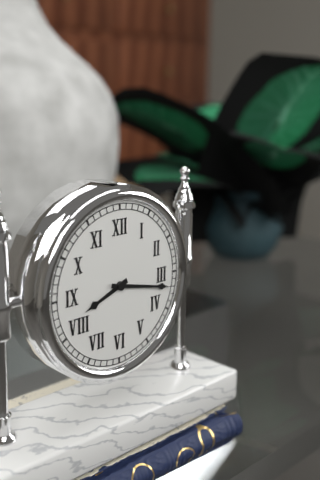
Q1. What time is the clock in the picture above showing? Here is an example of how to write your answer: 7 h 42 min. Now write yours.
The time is 8 h 17 min
